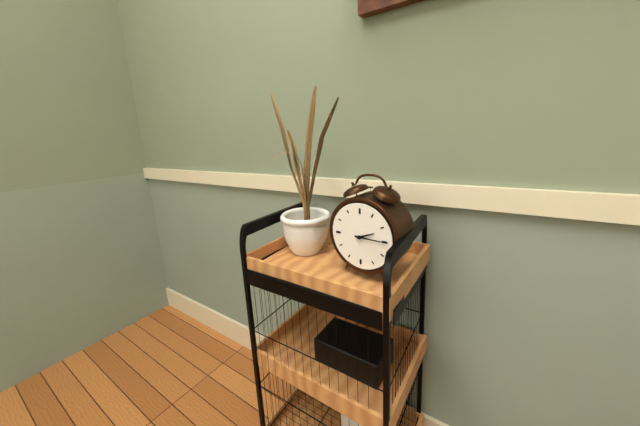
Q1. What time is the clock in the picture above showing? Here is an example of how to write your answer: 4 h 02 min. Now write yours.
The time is 2 h 15 min
